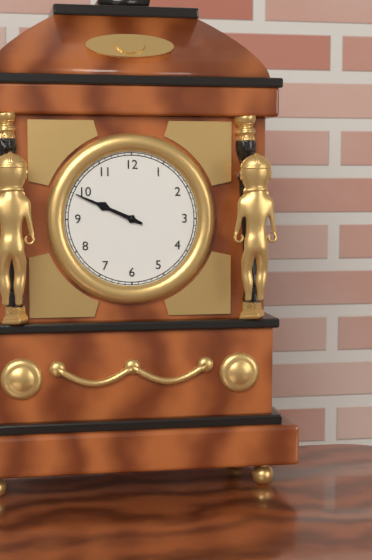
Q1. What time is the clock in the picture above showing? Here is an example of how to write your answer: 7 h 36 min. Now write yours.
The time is 9 h 49 min
